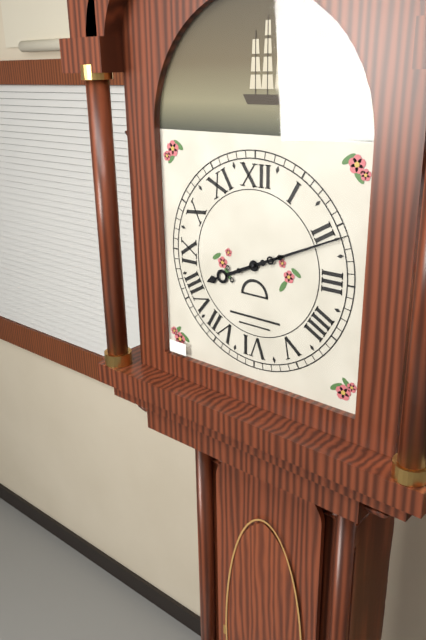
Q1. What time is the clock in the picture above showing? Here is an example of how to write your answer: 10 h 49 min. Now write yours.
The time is 8 h 11 min
